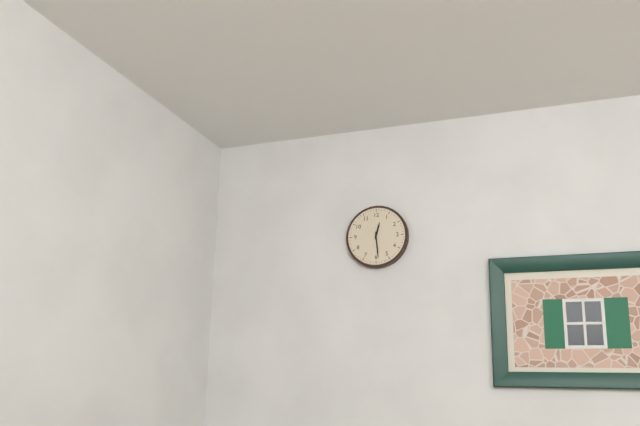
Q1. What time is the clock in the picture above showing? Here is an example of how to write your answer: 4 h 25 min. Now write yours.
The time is 12 h 29 min
